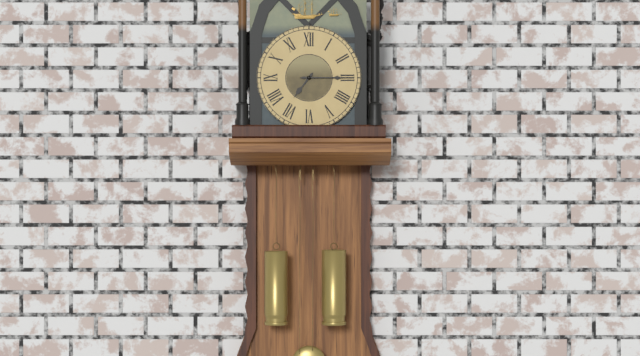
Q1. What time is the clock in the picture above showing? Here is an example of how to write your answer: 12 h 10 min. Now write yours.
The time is 7 h 15 min
